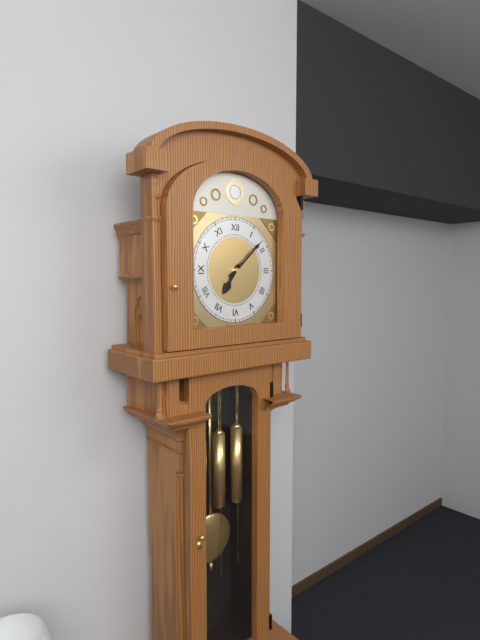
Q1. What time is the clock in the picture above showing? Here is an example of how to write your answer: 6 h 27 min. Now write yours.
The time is 7 h 08 min
